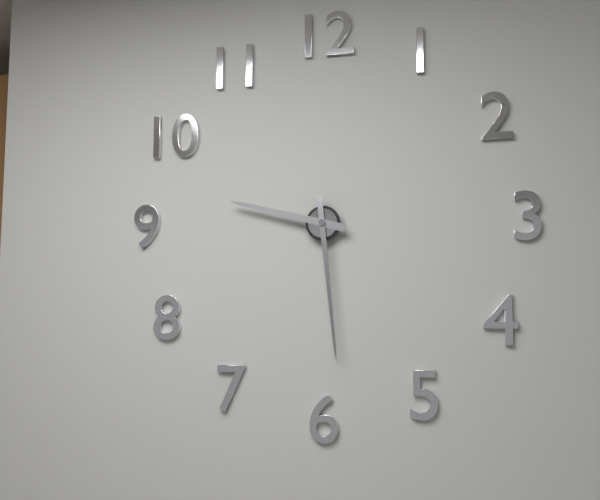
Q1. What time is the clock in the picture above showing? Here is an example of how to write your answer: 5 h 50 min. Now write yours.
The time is 9 h 29 min
